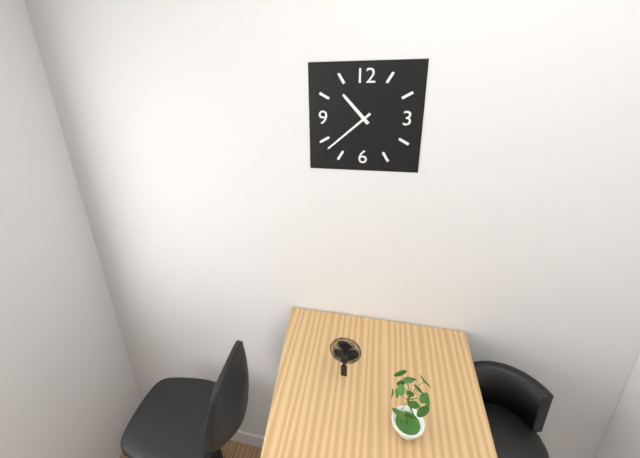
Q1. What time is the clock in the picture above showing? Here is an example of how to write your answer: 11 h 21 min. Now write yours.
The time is 10 h 38 min
